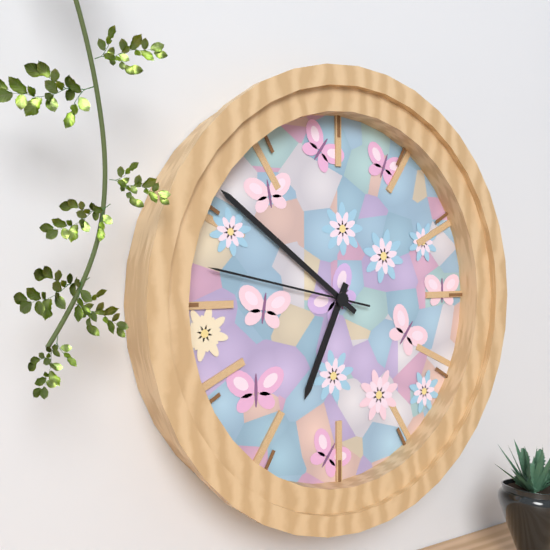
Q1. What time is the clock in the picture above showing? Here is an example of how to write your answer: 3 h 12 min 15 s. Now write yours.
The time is 6 h 51 min 47 s
